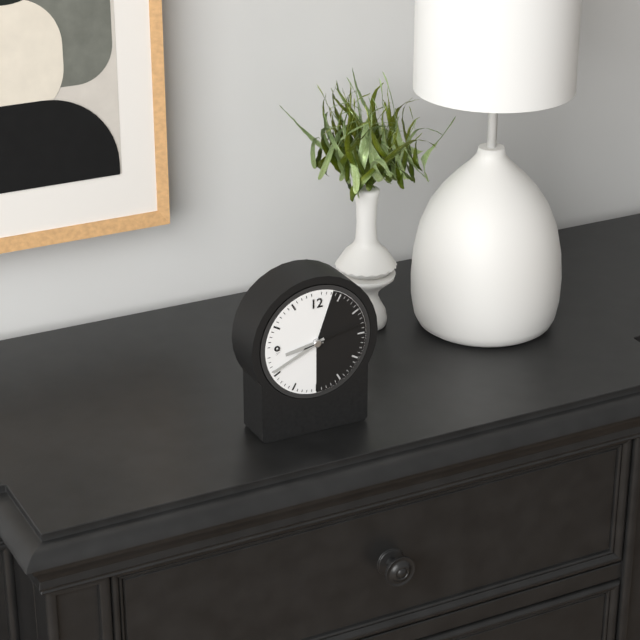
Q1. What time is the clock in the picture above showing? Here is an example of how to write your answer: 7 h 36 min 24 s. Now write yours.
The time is 8 h 41 min 13 s
